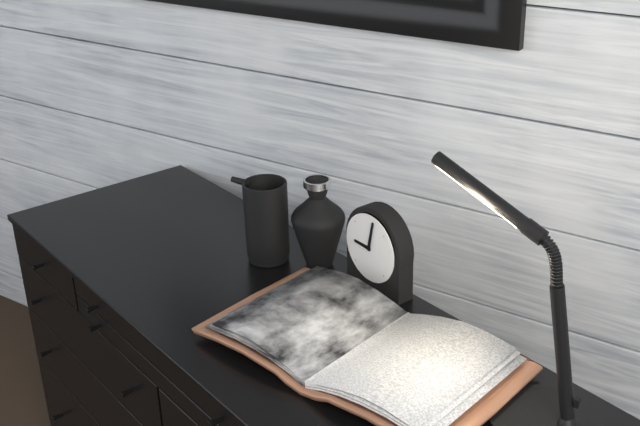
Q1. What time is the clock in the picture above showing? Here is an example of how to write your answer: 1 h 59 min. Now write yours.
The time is 9 h 02 min
